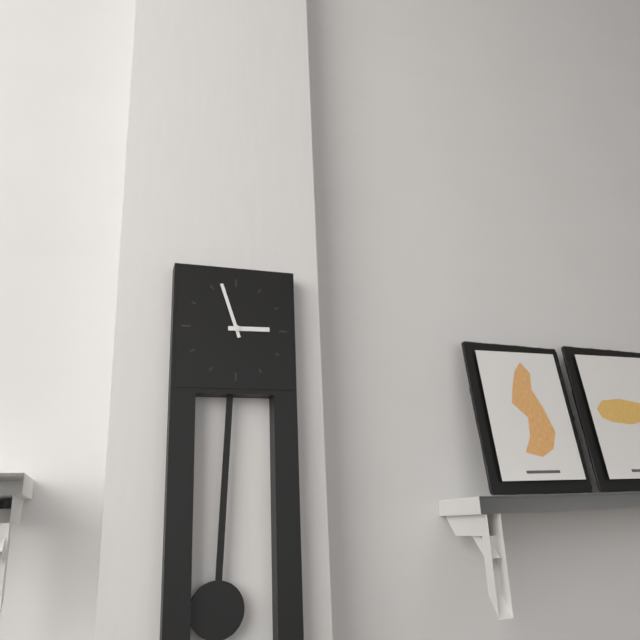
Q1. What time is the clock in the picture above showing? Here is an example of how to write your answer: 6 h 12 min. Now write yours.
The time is 2 h 57 min
